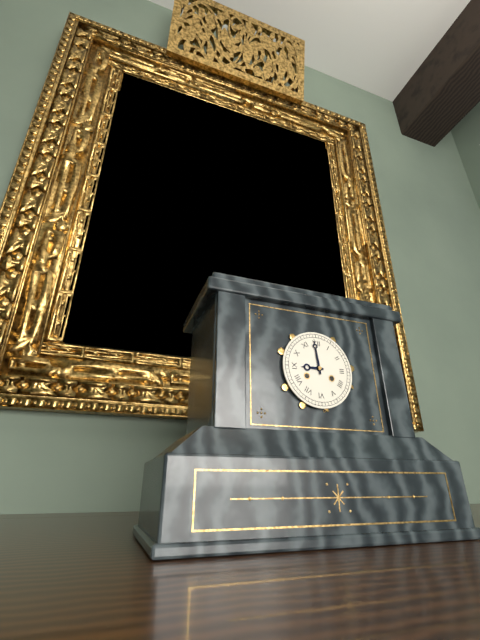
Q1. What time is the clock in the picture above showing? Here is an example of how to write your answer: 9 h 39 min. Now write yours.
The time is 8 h 59 min
